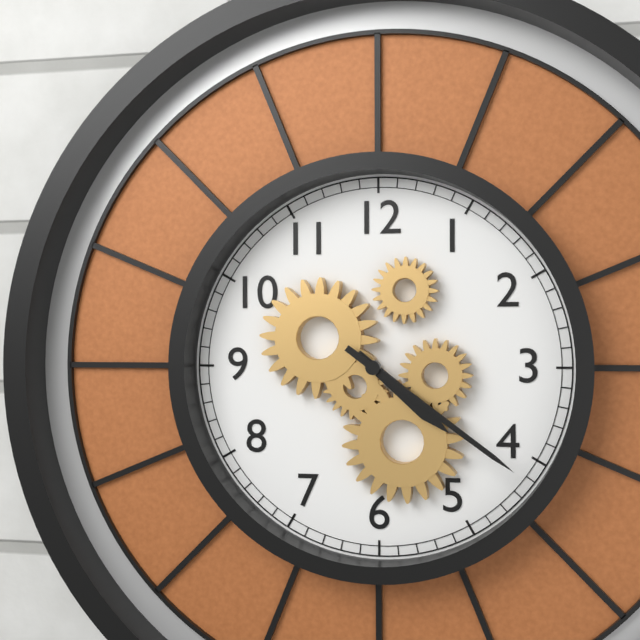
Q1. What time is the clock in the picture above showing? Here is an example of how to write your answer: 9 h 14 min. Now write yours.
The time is 4 h 21 min
